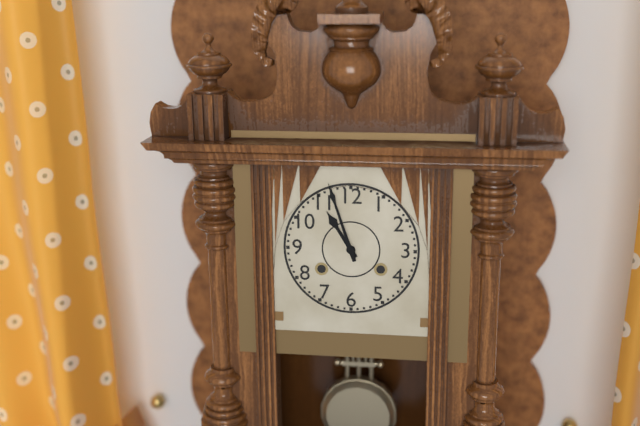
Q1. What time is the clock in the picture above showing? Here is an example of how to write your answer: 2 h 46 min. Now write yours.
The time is 10 h 57 min
